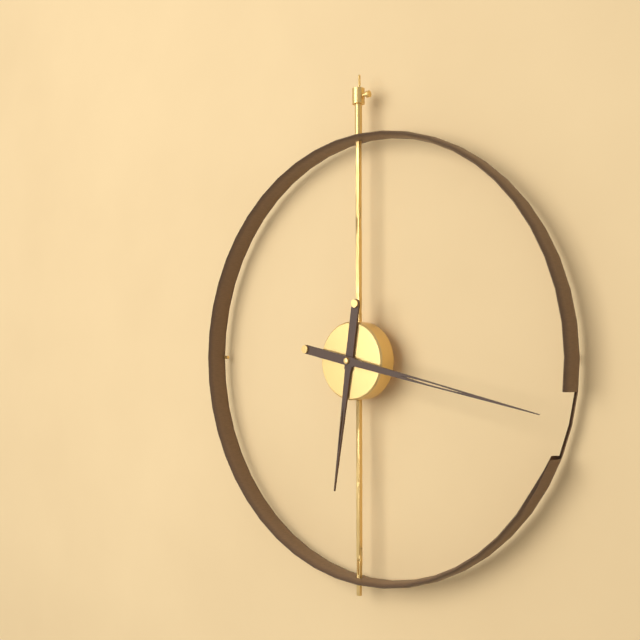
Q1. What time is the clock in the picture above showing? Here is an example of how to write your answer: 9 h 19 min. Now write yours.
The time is 6 h 17 min
